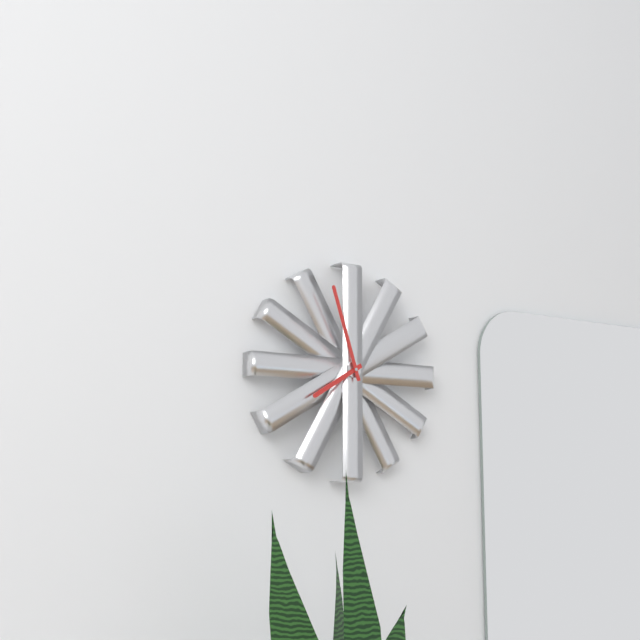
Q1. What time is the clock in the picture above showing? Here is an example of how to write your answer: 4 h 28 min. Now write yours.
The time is 7 h 57 min
